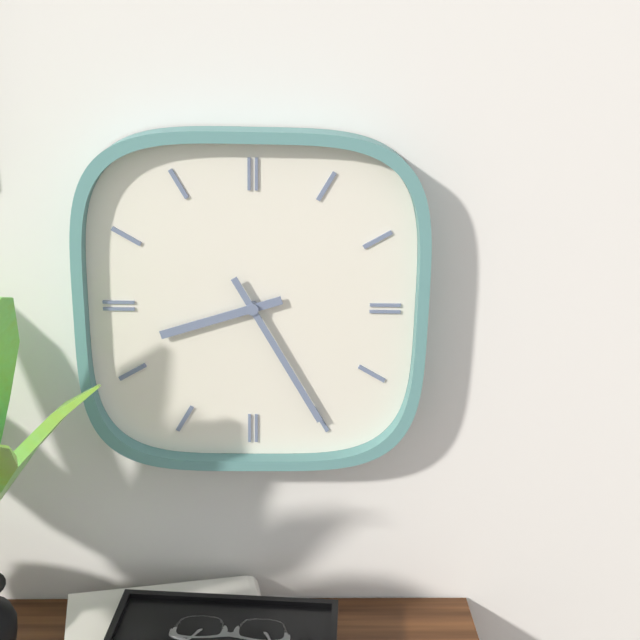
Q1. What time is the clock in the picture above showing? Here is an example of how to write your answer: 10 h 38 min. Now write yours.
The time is 8 h 25 min
